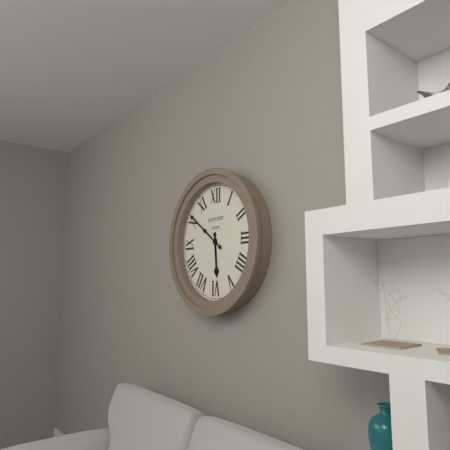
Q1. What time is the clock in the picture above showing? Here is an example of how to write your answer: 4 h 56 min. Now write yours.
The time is 5 h 51 min
